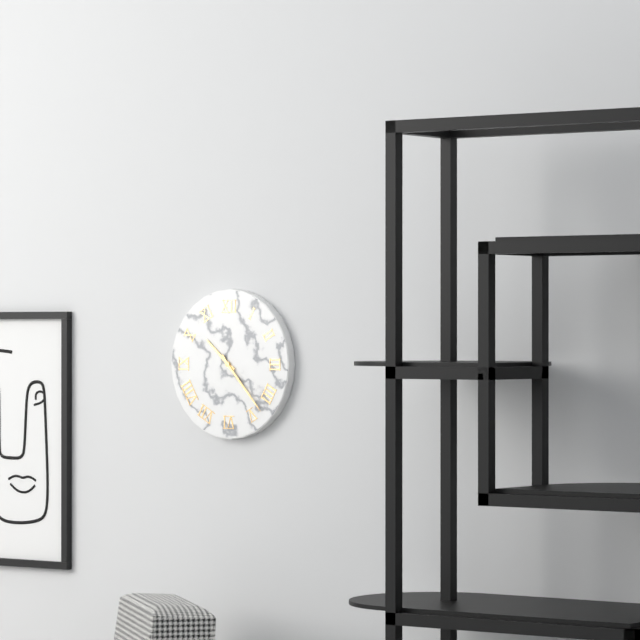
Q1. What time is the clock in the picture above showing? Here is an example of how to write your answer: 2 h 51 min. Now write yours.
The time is 10 h 23 min
